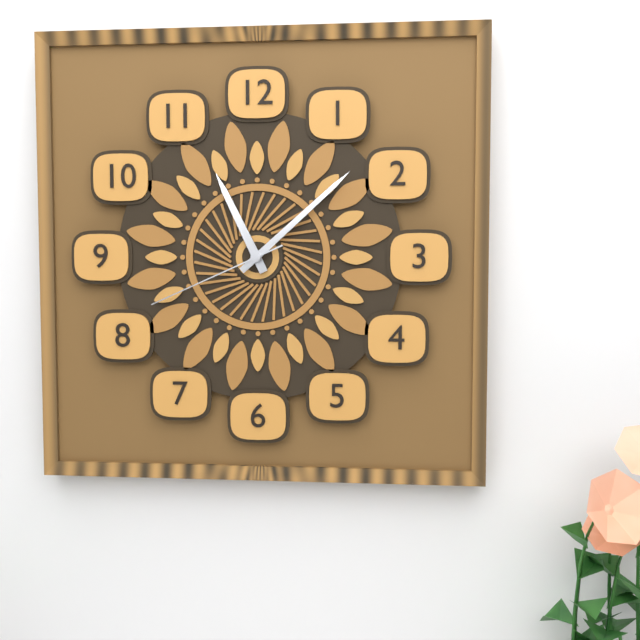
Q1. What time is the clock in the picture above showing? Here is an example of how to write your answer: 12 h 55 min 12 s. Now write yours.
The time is 11 h 08 min 41 s
